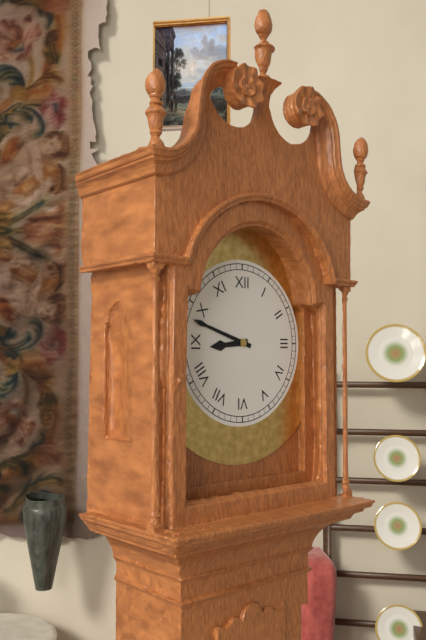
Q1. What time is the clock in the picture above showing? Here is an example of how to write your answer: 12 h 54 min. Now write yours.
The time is 8 h 48 min
